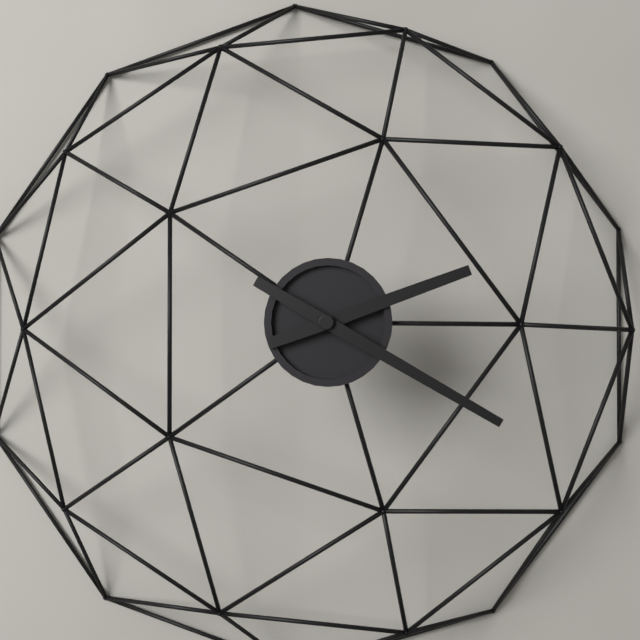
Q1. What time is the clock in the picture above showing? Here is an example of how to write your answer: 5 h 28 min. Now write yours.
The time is 2 h 20 min
